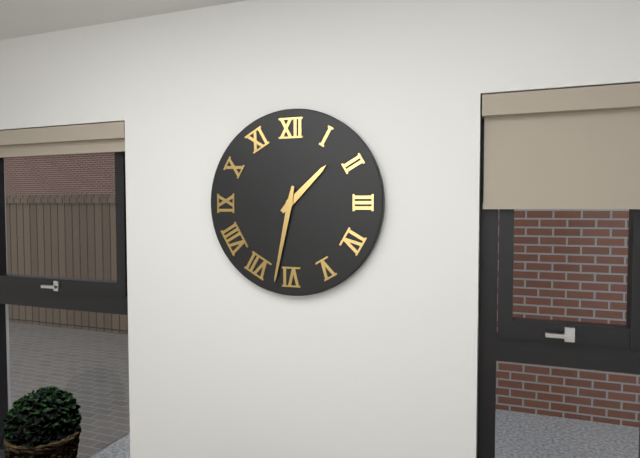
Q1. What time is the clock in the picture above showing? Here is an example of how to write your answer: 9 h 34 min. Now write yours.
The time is 1 h 32 min
